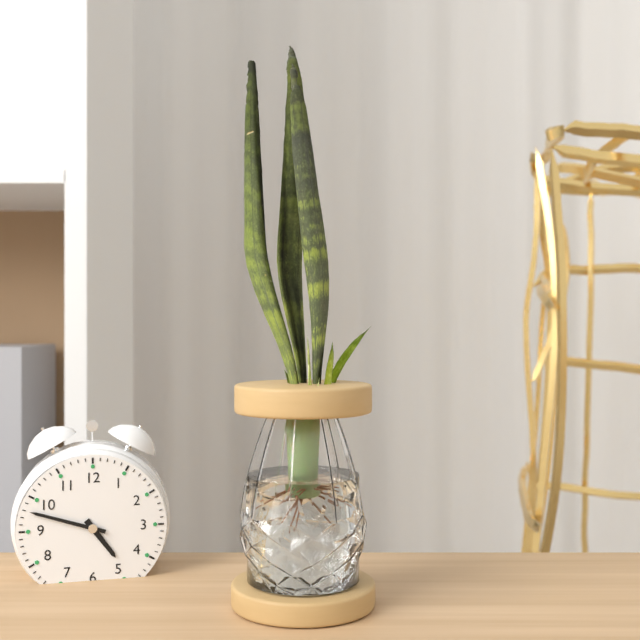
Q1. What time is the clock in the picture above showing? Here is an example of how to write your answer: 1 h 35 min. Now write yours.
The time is 4 h 48 min
